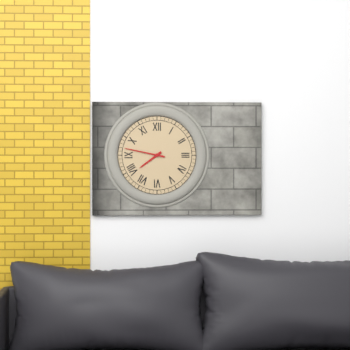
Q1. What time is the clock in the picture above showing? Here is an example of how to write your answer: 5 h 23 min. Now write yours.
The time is 7 h 47 min
